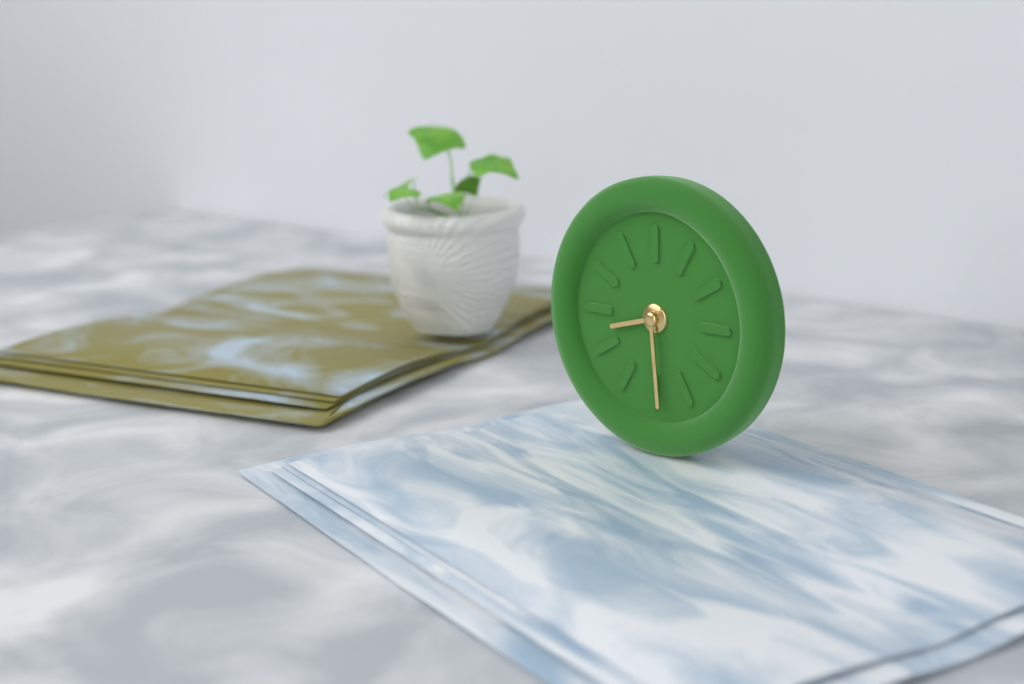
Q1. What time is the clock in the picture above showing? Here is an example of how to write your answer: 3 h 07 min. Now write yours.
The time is 8 h 29 min
